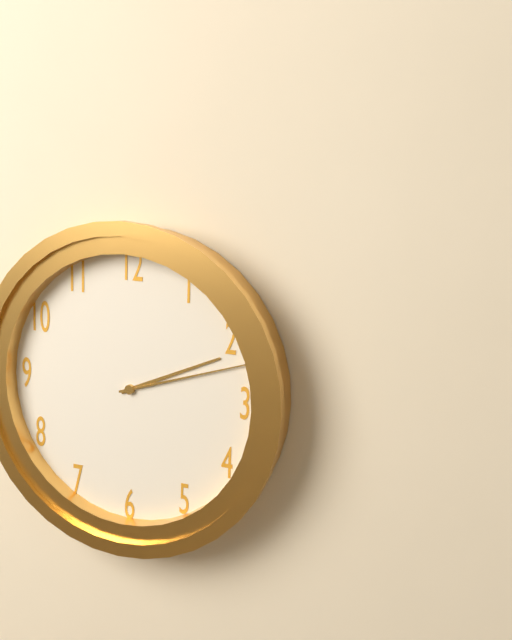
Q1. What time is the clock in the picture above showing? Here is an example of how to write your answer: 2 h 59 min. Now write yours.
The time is 2 h 12 min
